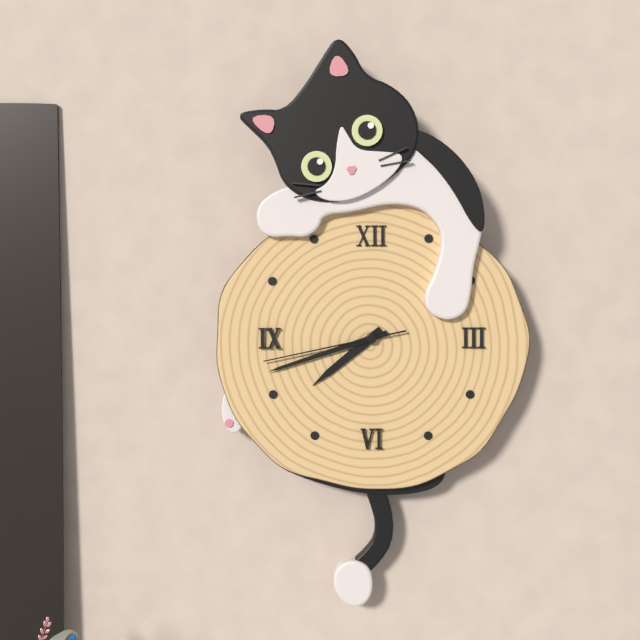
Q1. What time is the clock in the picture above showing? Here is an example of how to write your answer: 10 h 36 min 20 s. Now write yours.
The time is 7 h 42 min 43 s
